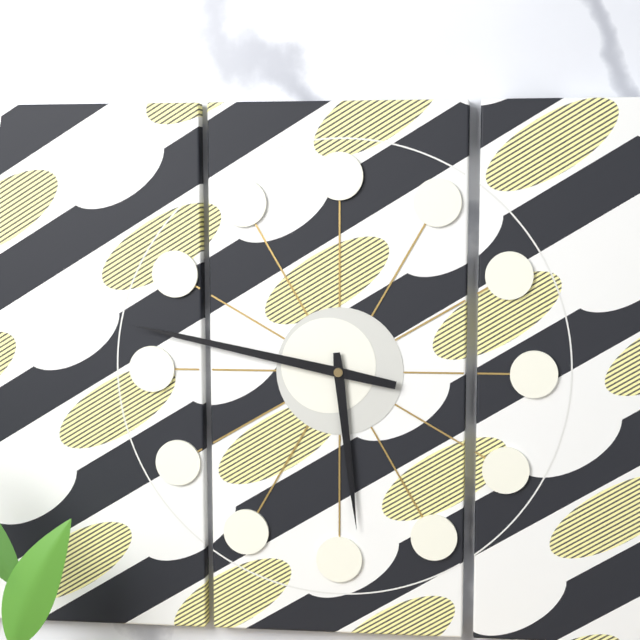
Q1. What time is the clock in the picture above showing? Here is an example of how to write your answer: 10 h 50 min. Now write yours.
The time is 5 h 47 min
